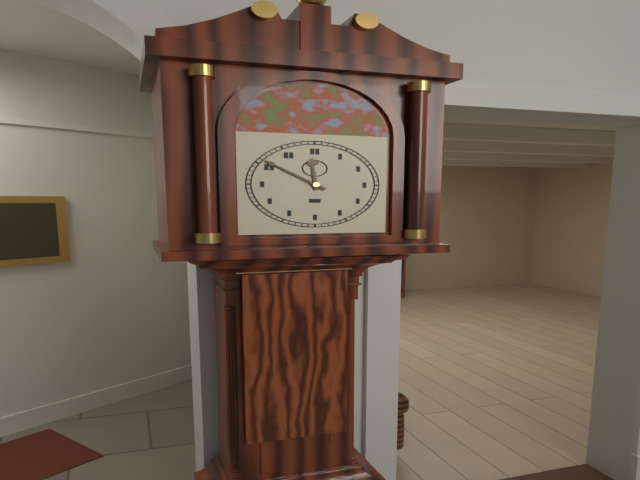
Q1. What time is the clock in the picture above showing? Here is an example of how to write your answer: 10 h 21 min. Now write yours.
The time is 11 h 51 min
